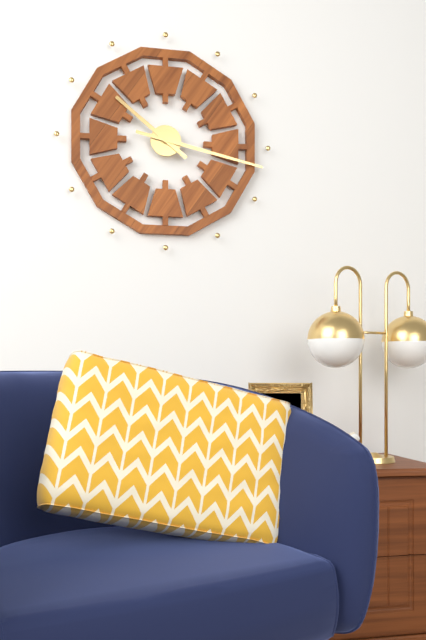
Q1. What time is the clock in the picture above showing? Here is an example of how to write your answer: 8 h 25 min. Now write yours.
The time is 10 h 17 min
